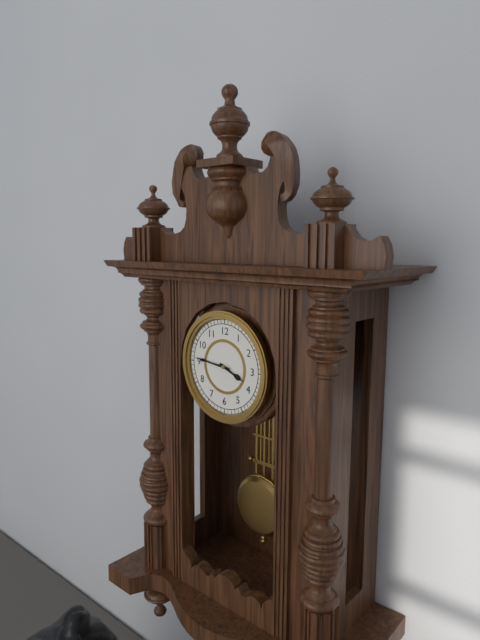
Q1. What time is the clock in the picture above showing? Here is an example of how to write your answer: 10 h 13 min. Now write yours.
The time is 3 h 46 min
